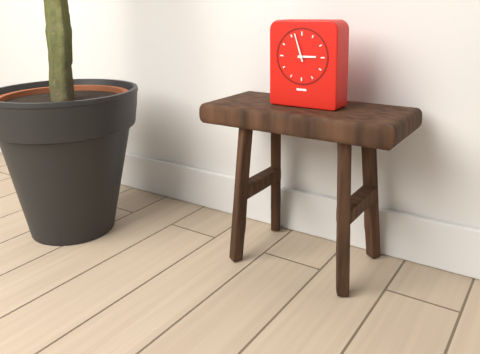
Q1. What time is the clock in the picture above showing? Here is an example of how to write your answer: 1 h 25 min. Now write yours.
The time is 2 h 57 min
